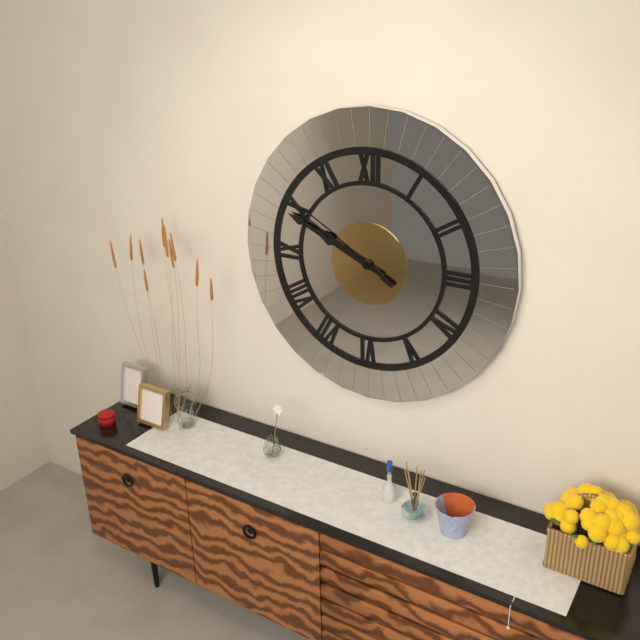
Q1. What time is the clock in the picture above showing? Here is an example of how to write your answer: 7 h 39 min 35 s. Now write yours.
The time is 9 h 49 min 50 s
